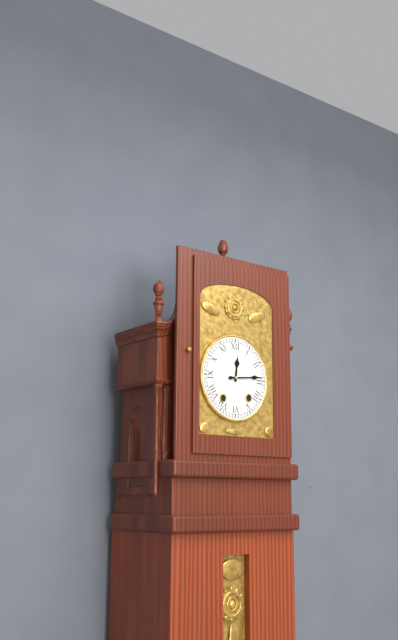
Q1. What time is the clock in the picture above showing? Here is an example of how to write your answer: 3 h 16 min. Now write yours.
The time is 12 h 14 min
